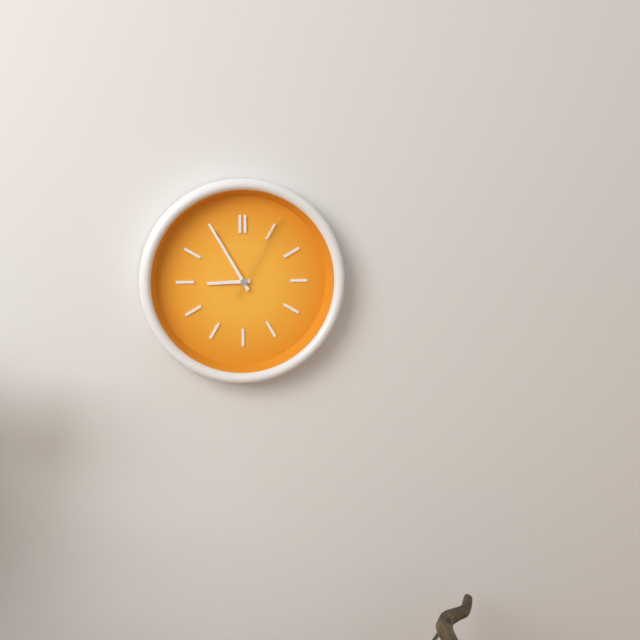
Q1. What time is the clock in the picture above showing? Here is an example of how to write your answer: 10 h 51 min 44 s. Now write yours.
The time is 8 h 55 min 05 s
